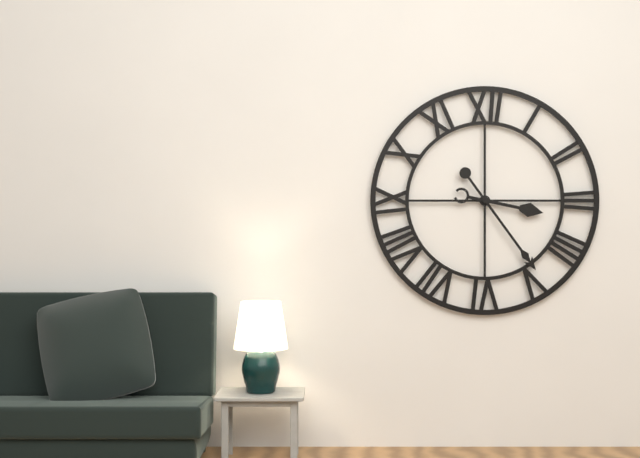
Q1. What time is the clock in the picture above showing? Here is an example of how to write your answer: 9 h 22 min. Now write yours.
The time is 3 h 24 min
